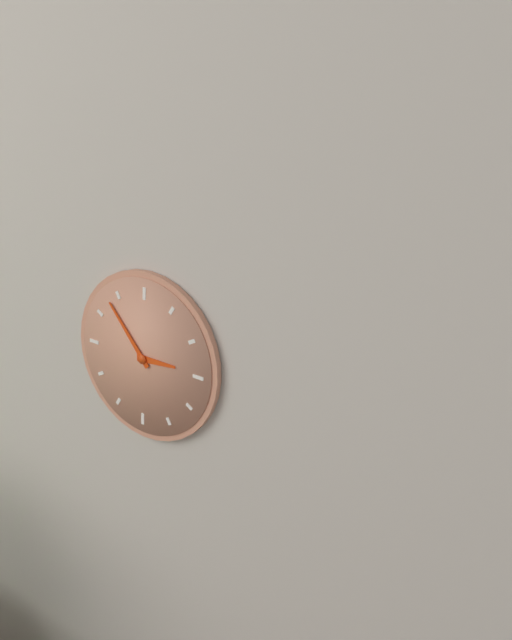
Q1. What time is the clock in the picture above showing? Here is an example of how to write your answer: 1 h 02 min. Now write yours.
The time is 2 h 53 min
